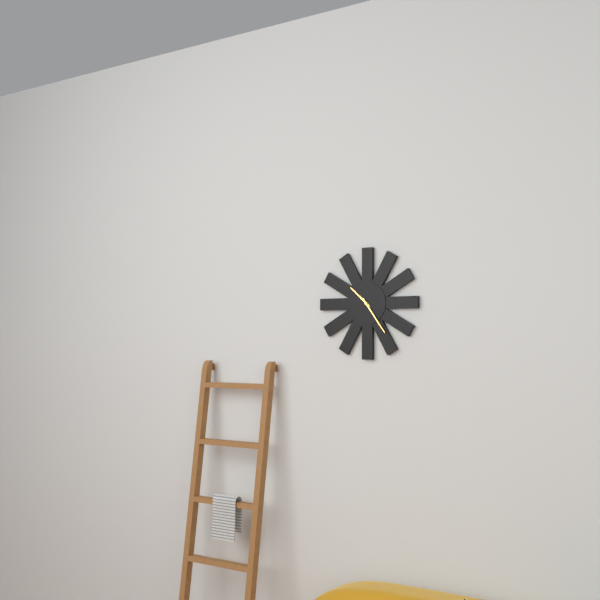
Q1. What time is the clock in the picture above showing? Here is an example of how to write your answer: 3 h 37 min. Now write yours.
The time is 10 h 24 min
